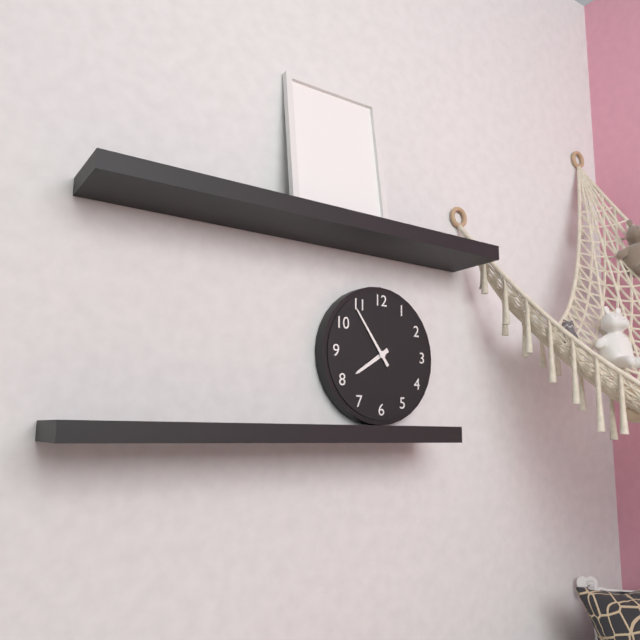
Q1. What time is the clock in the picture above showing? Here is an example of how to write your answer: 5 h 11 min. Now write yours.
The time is 7 h 54 min
